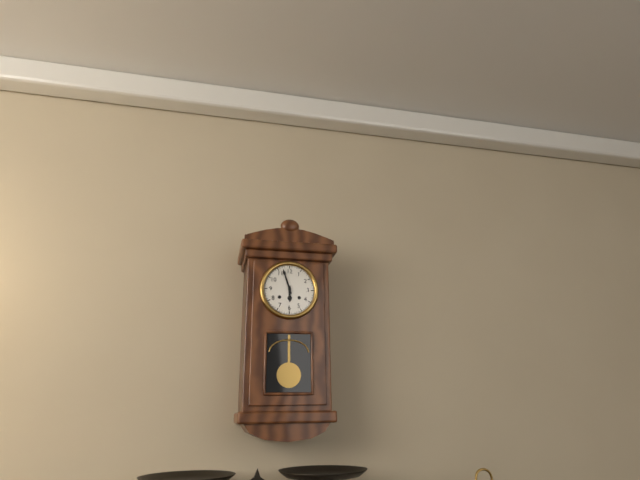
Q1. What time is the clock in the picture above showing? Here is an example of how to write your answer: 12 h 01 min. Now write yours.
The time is 5 h 57 min
